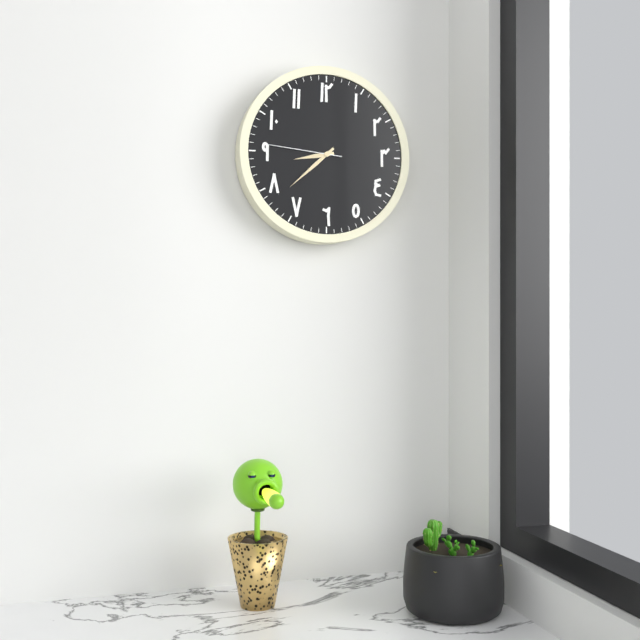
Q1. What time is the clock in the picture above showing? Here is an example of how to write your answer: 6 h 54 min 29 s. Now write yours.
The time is 8 h 38 min 46 s
